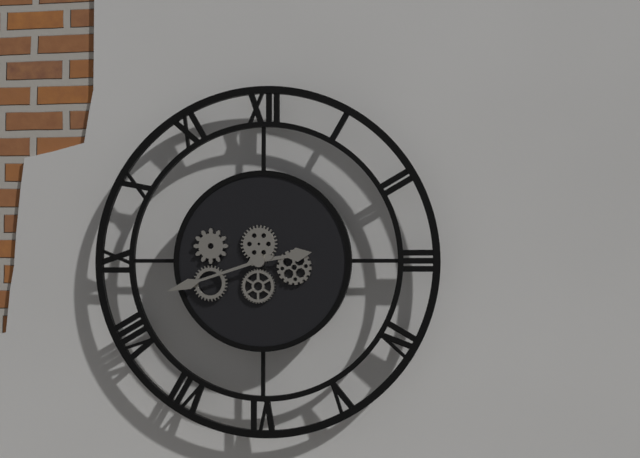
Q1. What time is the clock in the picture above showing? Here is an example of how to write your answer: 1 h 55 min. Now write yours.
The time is 2 h 42 min
